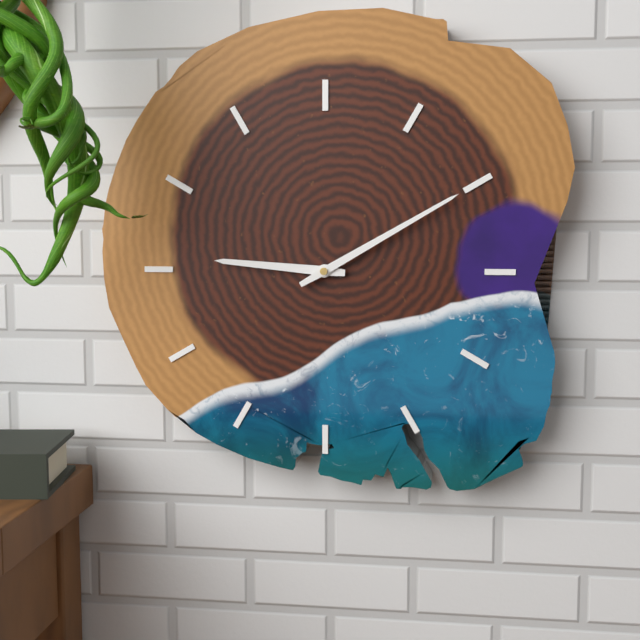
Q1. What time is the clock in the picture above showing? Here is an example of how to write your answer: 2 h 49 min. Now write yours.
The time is 9 h 10 min
